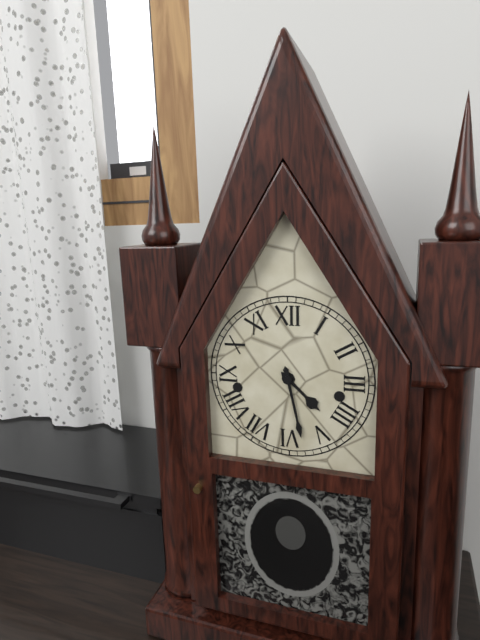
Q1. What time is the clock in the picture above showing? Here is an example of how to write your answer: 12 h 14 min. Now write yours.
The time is 4 h 28 min
